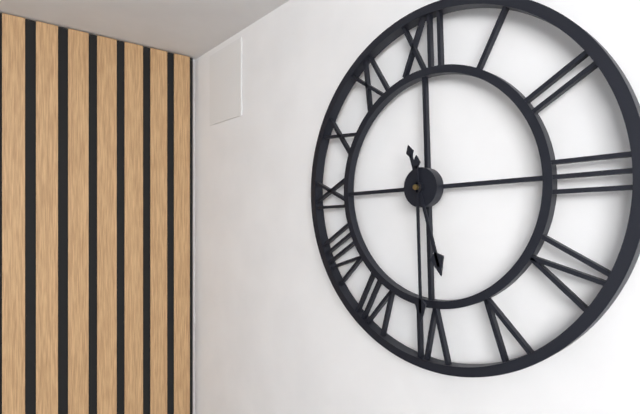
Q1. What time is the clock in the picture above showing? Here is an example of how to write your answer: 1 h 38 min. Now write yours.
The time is 5 h 30 min
